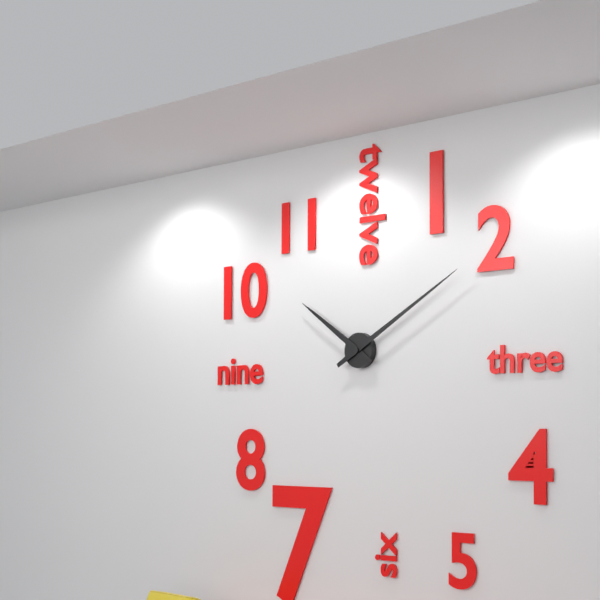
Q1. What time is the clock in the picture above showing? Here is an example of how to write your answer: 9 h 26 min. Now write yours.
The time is 10 h 10 min
